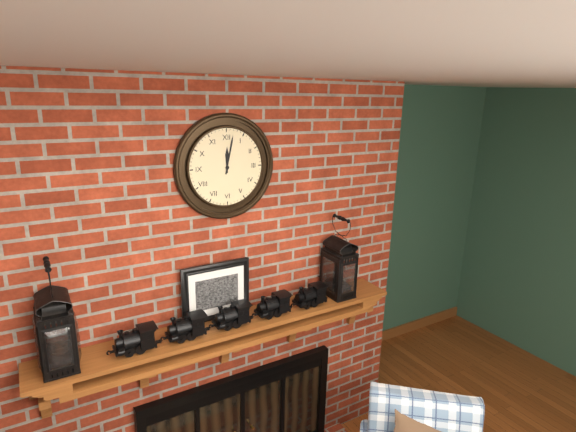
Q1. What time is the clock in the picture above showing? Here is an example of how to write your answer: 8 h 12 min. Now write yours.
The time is 12 h 02 min
